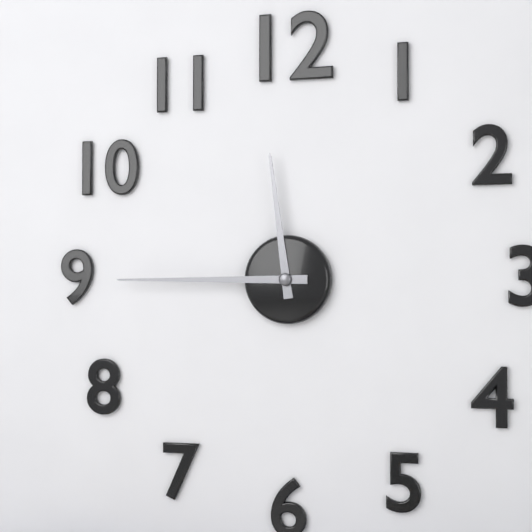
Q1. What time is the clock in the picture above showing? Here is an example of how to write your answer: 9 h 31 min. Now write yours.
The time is 11 h 45 min
